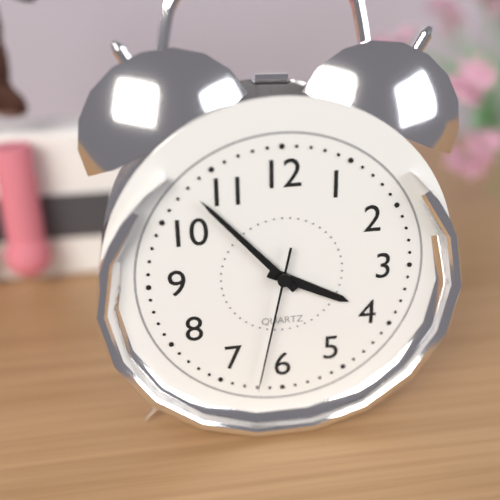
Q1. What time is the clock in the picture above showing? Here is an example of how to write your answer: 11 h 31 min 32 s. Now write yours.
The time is 3 h 53 min 32 s
